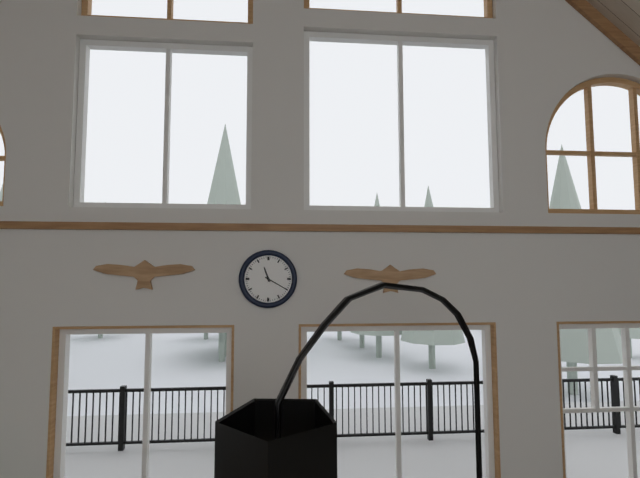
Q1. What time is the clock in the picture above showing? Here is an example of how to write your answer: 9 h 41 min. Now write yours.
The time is 11 h 20 min
